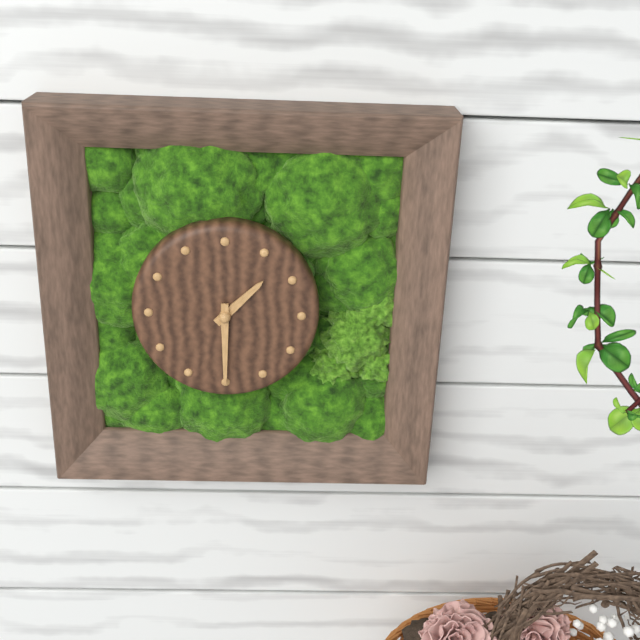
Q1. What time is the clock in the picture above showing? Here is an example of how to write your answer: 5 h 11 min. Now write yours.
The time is 1 h 30 min
